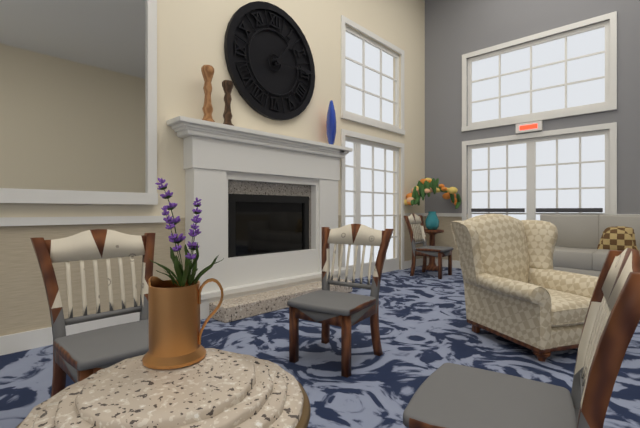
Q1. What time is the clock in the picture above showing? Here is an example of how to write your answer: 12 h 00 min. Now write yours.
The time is 1 h 15 min
